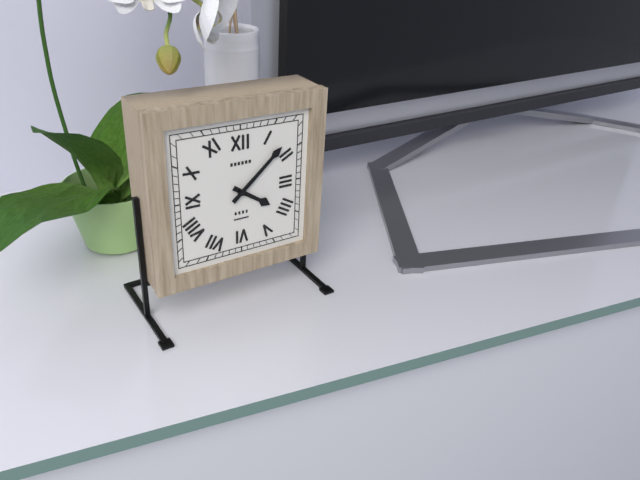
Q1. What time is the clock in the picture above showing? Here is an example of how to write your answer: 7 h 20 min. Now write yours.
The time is 4 h 08 min
